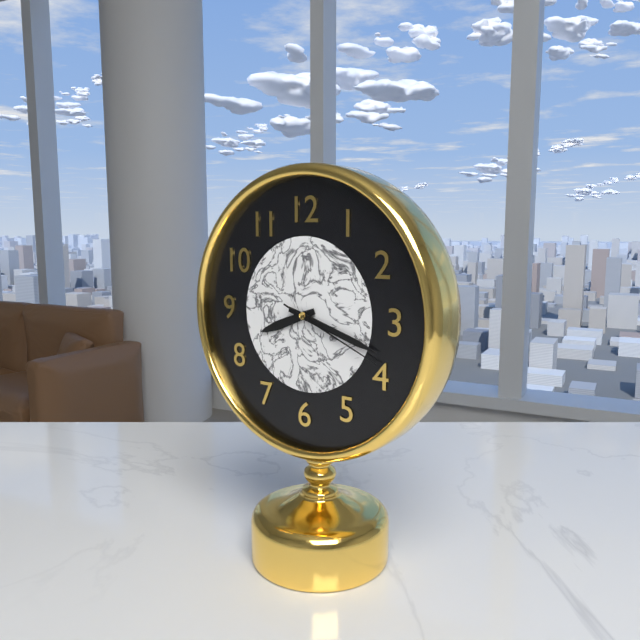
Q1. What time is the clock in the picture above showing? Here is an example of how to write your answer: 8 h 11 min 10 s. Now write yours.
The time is 8 h 18 min 19 s
